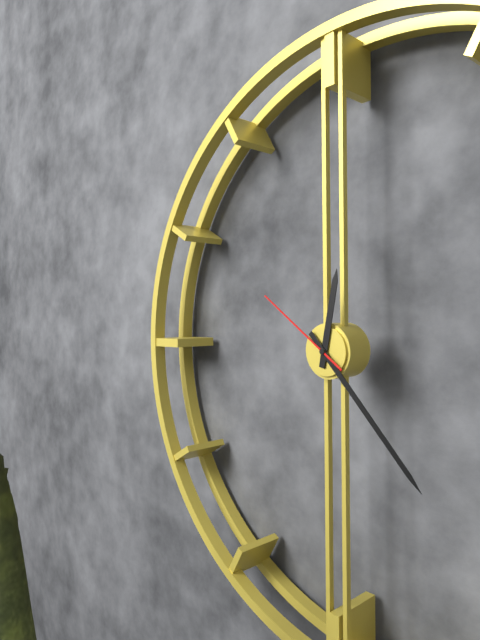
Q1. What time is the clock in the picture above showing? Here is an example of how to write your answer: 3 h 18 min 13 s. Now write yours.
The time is 12 h 23 min 51 s
